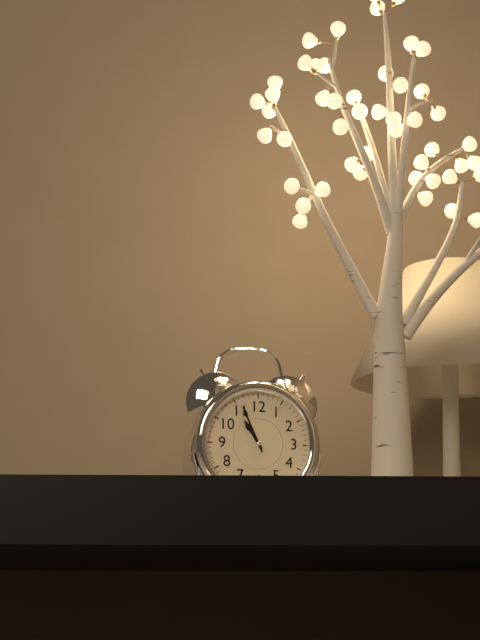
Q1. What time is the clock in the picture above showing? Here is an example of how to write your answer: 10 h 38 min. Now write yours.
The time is 10 h 56 min
